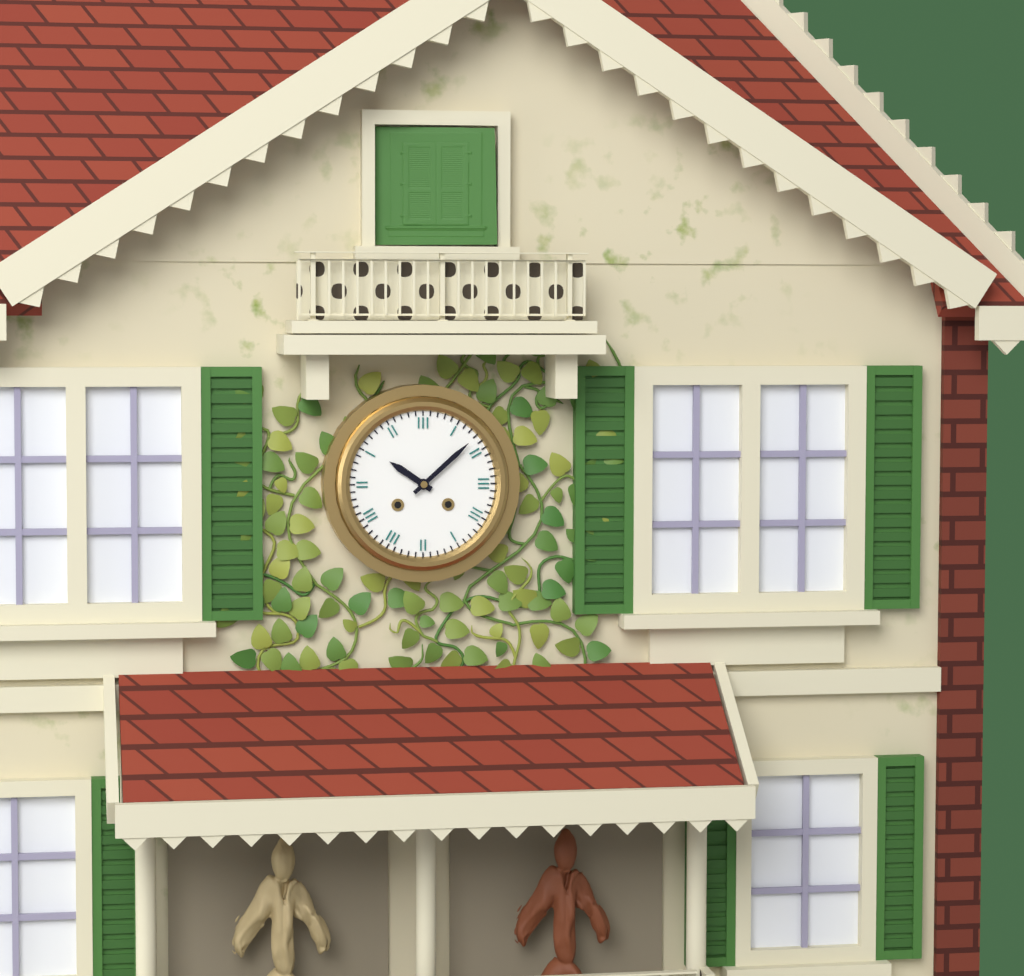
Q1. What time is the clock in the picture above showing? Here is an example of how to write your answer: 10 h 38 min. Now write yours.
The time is 10 h 08 min
